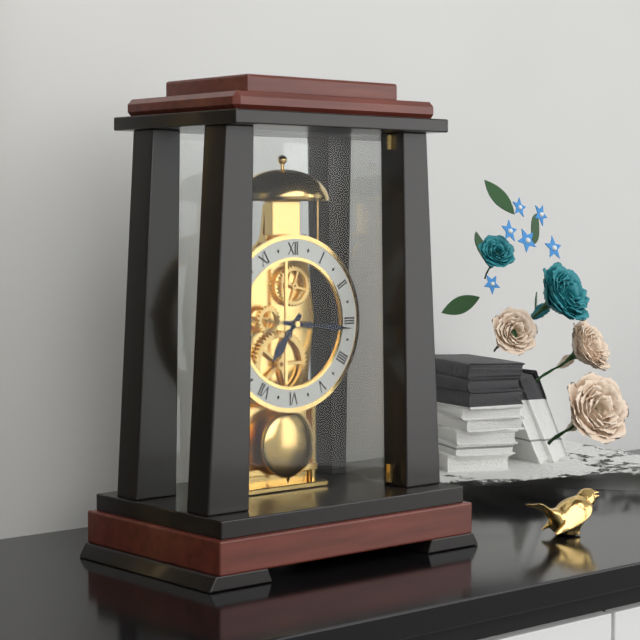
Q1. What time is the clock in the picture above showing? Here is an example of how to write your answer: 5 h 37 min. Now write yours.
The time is 7 h 16 min
